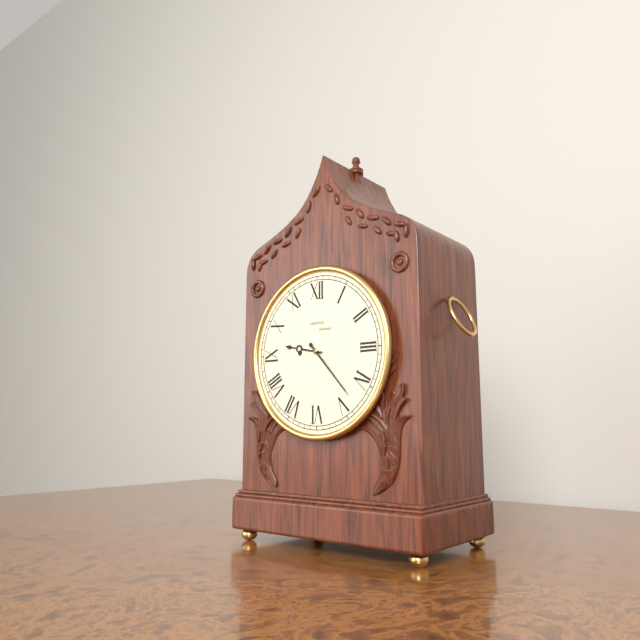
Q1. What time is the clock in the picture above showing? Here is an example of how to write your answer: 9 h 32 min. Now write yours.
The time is 9 h 23 min
